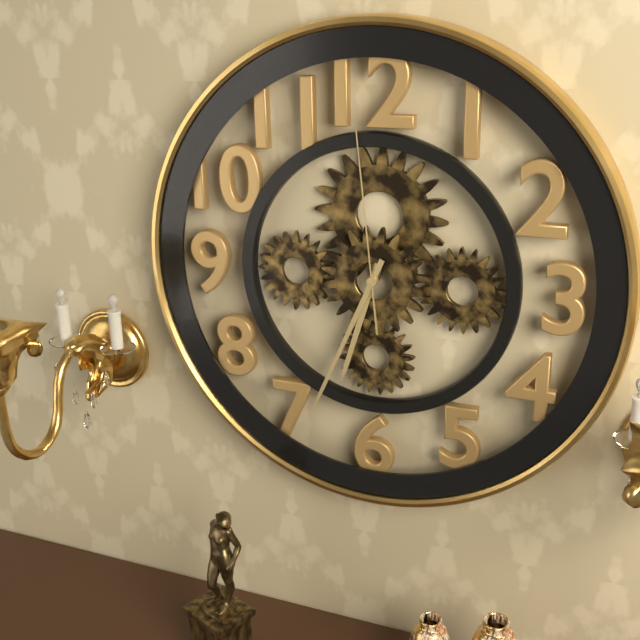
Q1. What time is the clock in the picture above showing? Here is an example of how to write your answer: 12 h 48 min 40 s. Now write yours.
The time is 6 h 34 min 59 s
